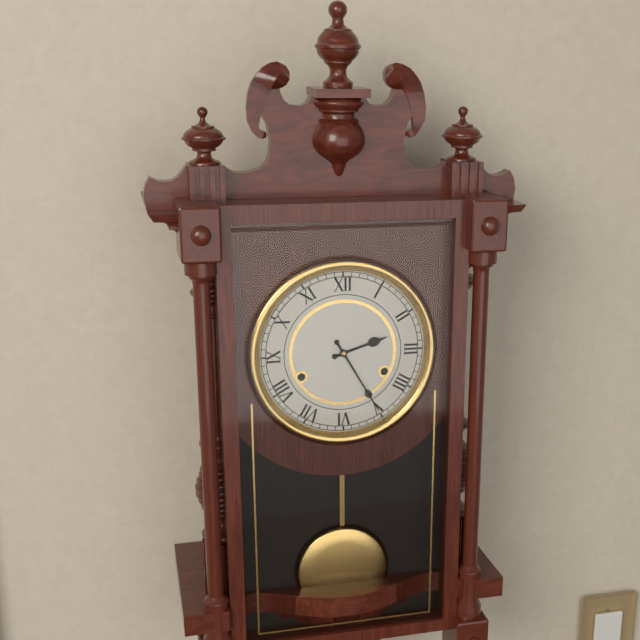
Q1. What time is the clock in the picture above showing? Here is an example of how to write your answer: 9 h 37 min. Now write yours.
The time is 2 h 25 min
